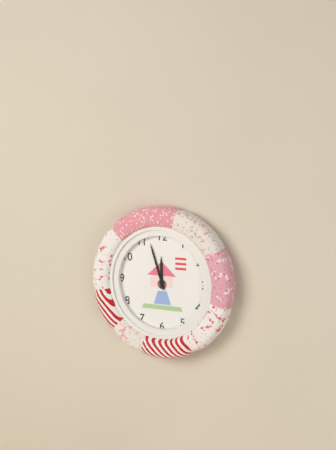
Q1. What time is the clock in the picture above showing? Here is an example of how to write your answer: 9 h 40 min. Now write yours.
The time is 11 h 57 min
